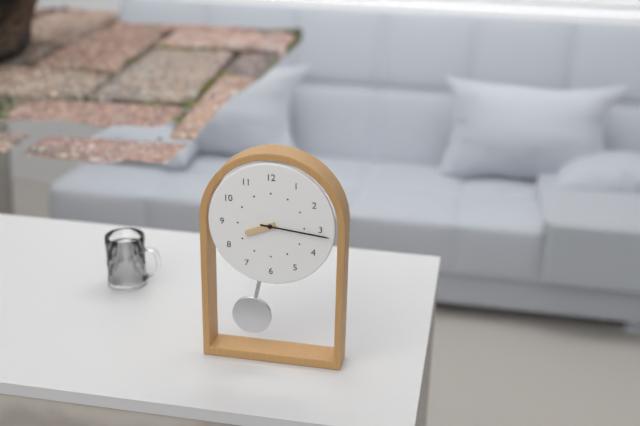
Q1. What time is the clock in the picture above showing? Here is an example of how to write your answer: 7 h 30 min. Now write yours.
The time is 8 h 16 min
